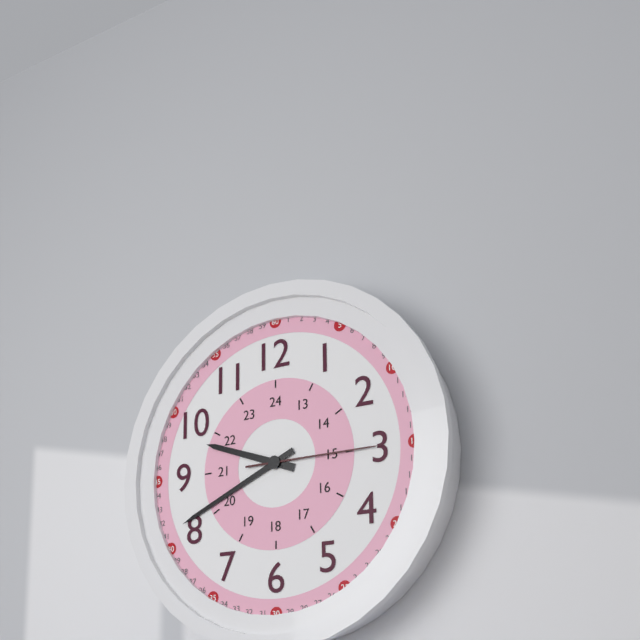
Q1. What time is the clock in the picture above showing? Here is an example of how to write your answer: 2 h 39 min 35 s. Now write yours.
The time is 9 h 41 min 15 s
